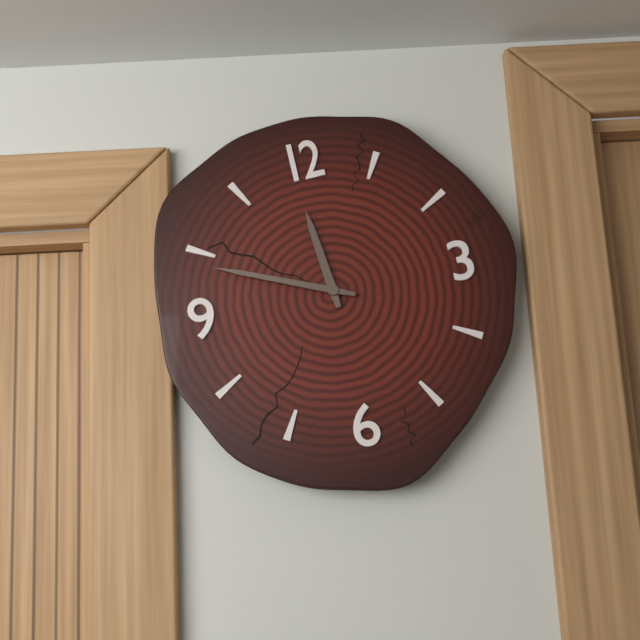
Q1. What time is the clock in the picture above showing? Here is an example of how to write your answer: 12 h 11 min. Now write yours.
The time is 11 h 49 min
